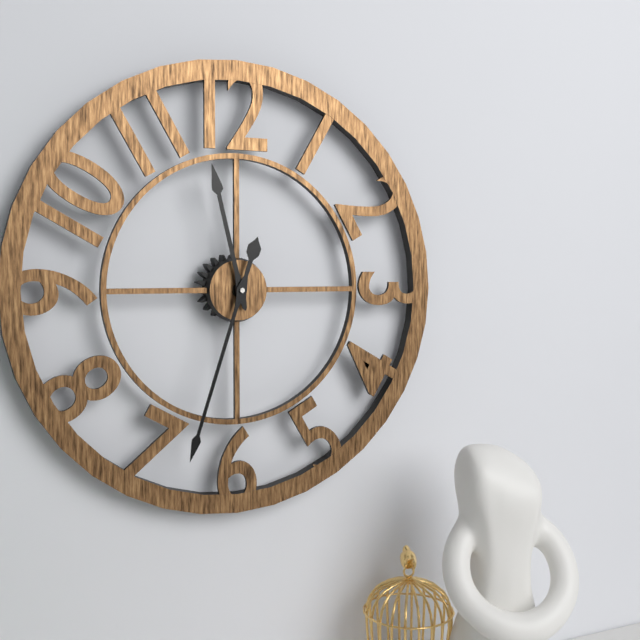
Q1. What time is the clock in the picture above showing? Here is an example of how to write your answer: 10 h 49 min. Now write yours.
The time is 11 h 33 min
